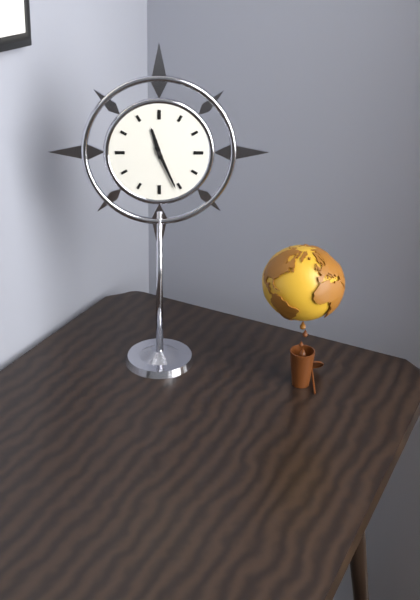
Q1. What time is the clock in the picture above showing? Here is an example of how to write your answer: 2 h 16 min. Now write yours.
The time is 11 h 26 min
